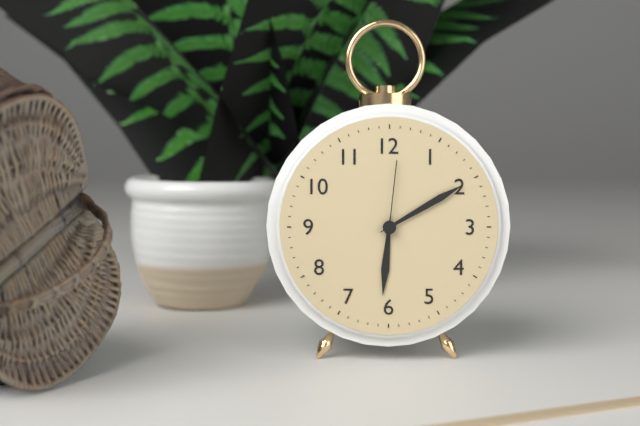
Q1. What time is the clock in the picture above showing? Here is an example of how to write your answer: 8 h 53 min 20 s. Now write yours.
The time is 6 h 10 min 01 s
